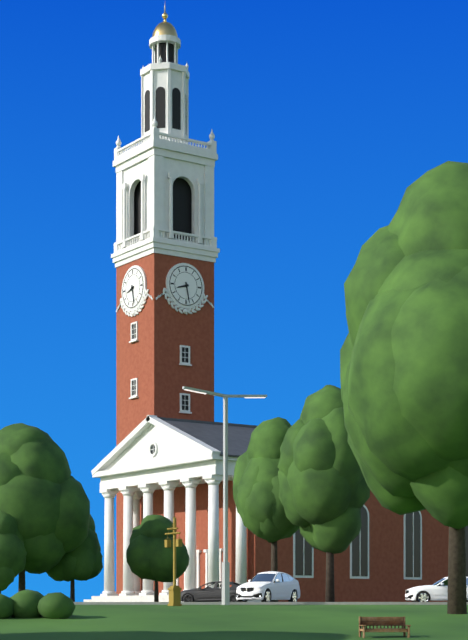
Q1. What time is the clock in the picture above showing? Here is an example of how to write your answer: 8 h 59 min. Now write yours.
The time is 8 h 28 min
